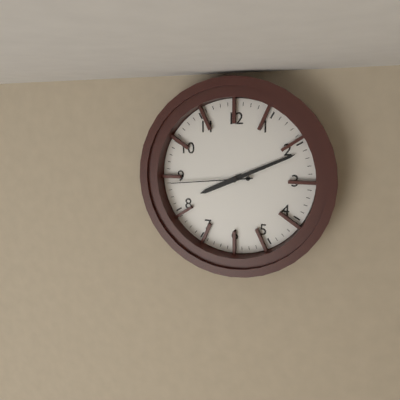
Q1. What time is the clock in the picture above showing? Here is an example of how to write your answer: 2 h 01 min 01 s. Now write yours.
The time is 8 h 11 min 44 s
